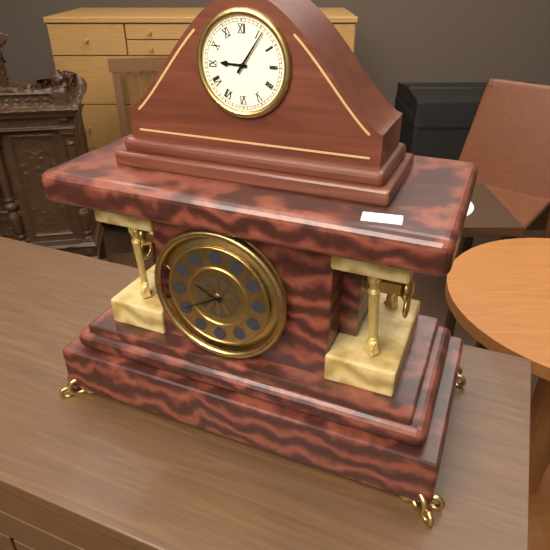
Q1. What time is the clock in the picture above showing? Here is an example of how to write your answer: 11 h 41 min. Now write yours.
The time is 9 h 06 min
